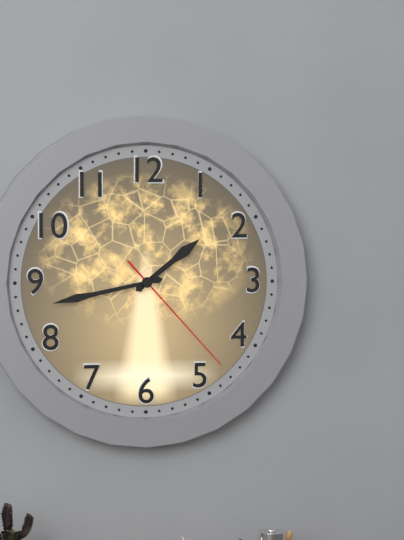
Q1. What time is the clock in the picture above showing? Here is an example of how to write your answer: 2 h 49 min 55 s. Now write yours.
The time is 1 h 43 min 23 s
